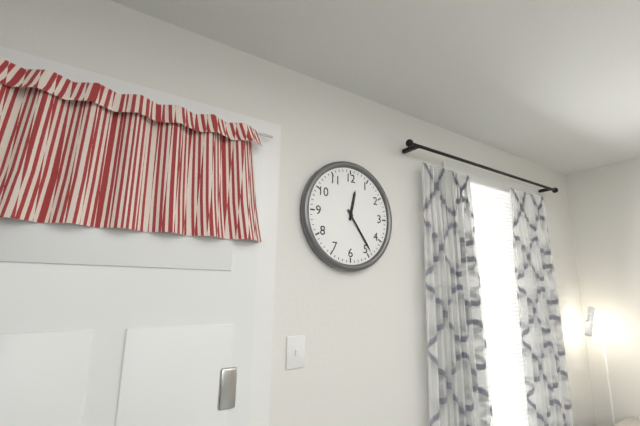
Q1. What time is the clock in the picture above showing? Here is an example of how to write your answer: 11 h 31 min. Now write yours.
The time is 12 h 24 min
